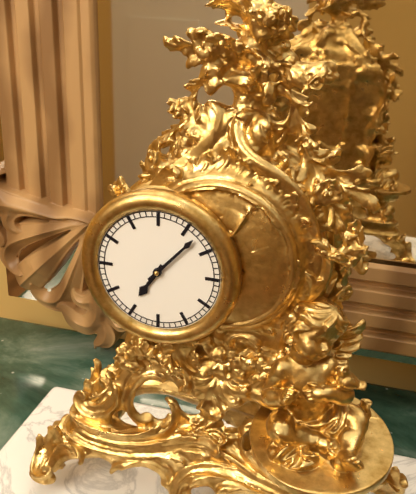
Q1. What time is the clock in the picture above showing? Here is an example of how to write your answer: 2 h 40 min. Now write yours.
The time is 7 h 07 min
